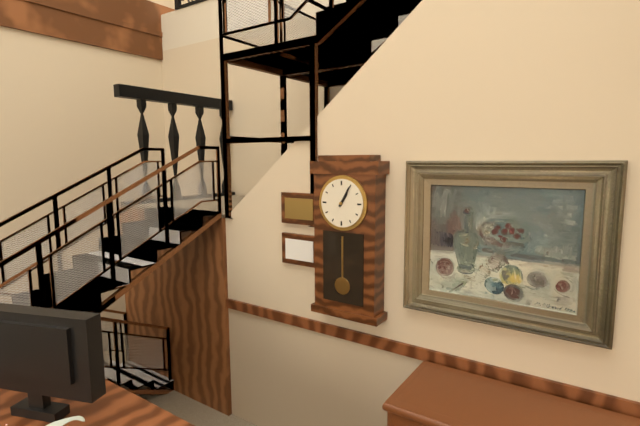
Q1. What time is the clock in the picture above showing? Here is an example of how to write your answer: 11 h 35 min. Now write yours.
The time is 1 h 05 min
